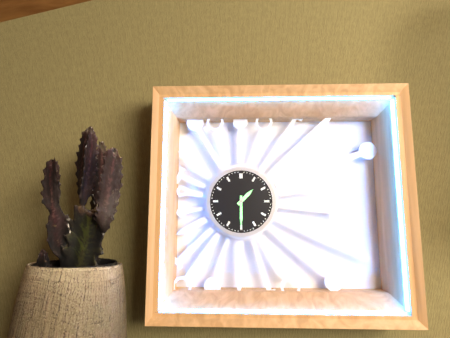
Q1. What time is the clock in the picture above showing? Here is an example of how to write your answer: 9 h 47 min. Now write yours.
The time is 1 h 30 min
